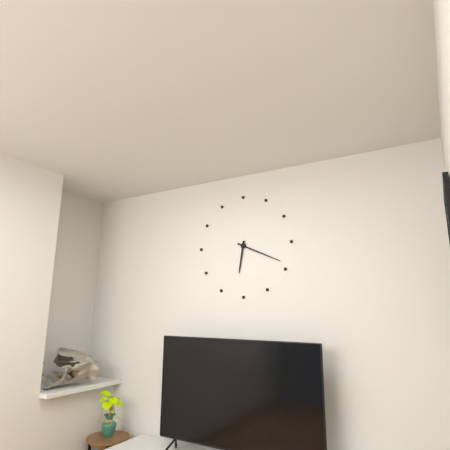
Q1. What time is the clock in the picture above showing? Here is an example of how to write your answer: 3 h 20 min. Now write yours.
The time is 6 h 19 min
